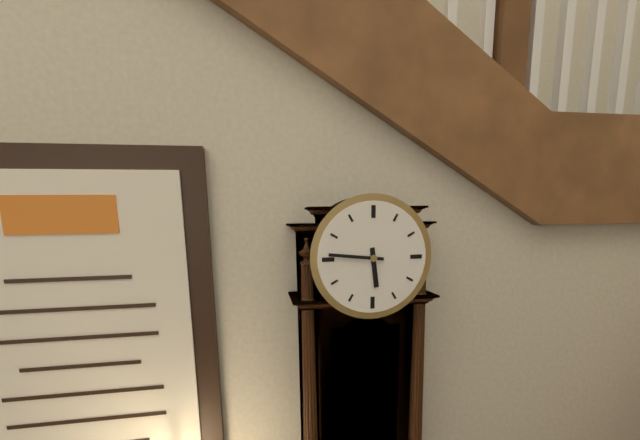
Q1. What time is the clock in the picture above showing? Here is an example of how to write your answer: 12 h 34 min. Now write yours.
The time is 5 h 46 min
